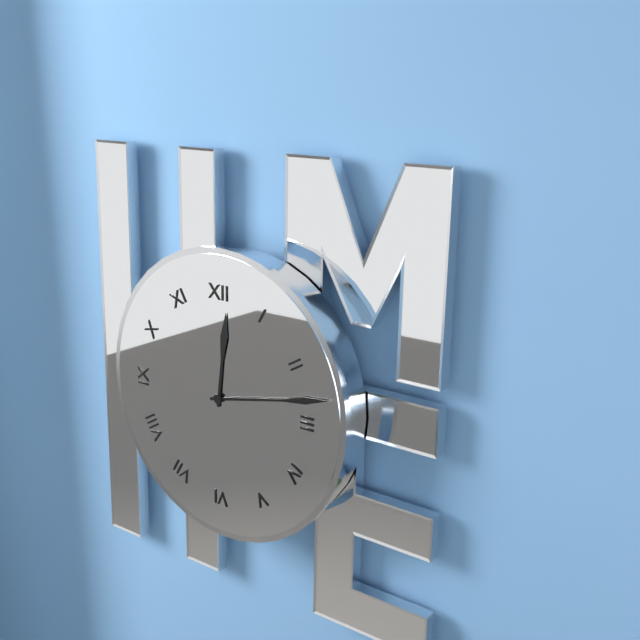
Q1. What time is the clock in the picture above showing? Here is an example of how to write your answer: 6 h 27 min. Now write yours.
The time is 12 h 13 min
